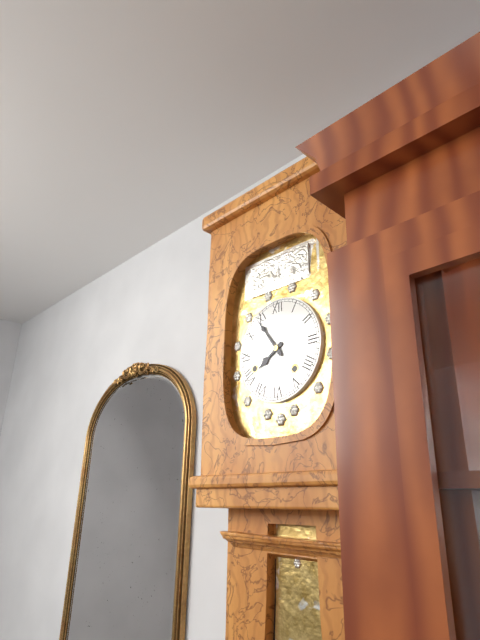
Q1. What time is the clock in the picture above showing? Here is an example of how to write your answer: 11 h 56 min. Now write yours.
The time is 7 h 54 min
